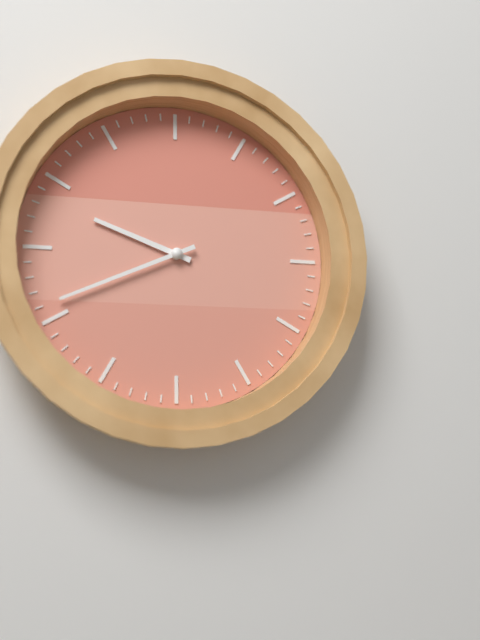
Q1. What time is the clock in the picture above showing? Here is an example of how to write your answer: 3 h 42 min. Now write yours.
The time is 9 h 41 min
